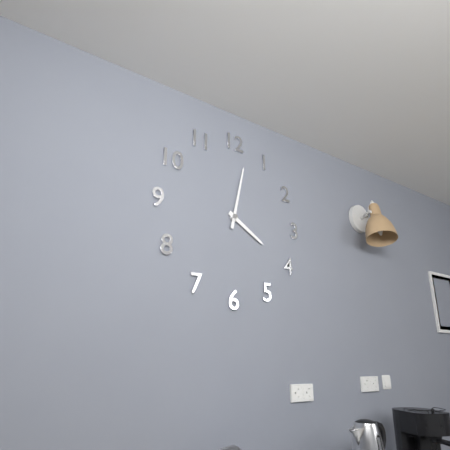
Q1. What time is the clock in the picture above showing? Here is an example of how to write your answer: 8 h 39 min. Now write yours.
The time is 4 h 02 min
